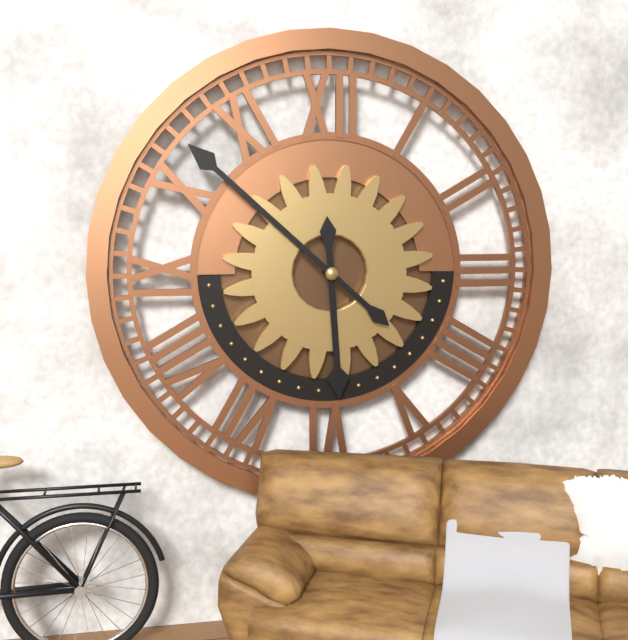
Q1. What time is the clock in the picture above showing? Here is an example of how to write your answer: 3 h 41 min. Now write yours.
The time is 5 h 52 min
